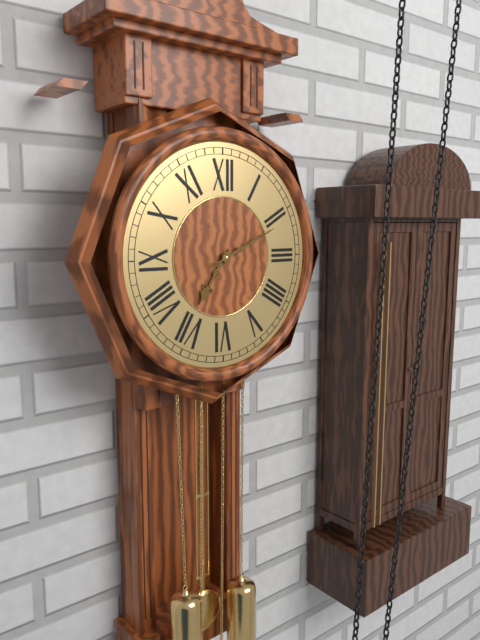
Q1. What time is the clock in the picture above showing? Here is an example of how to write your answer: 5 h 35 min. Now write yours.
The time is 7 h 11 min
